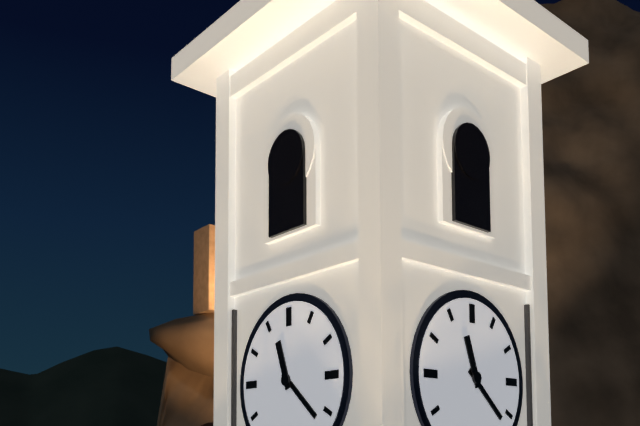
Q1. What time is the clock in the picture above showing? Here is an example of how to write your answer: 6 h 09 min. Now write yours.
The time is 11 h 22 min
